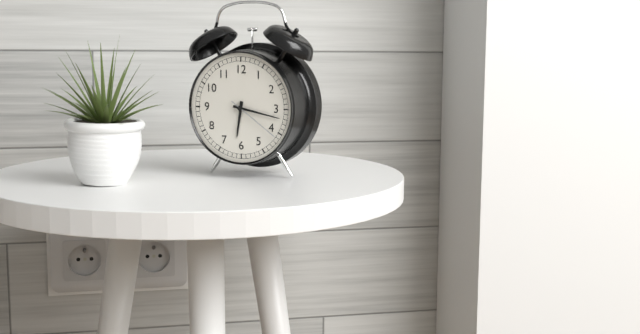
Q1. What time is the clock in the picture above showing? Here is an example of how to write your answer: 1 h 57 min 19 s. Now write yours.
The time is 6 h 17 min 21 s
